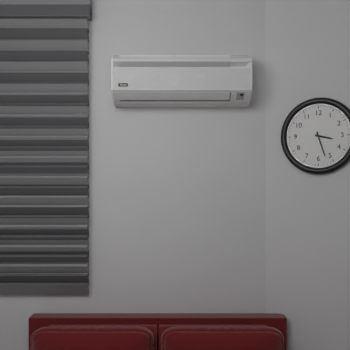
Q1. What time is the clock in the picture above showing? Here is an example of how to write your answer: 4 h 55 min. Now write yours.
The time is 3 h 27 min
